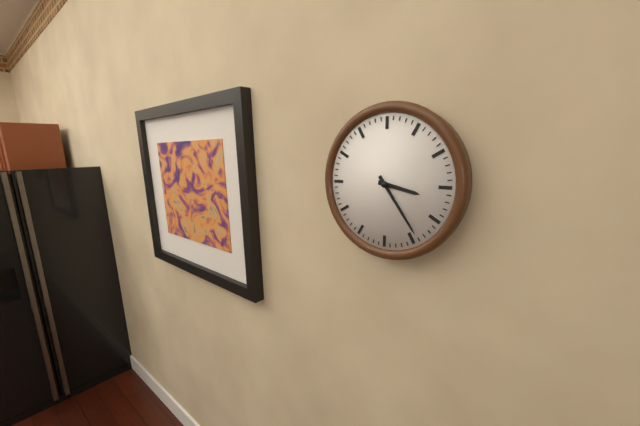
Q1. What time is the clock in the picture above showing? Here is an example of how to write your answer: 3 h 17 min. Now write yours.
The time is 3 h 24 min
